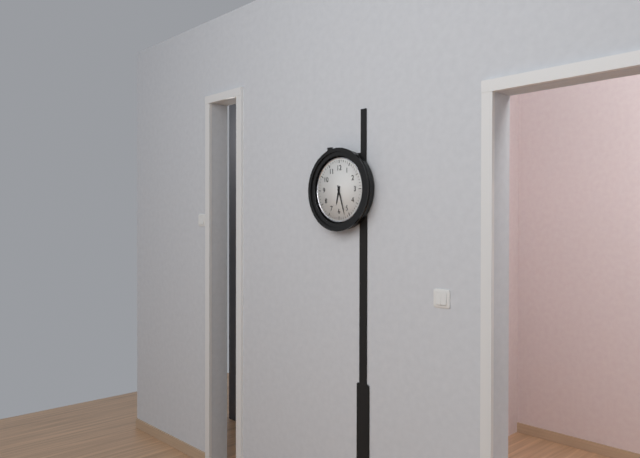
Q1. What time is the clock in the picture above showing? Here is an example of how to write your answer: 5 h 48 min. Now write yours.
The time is 6 h 27 min
